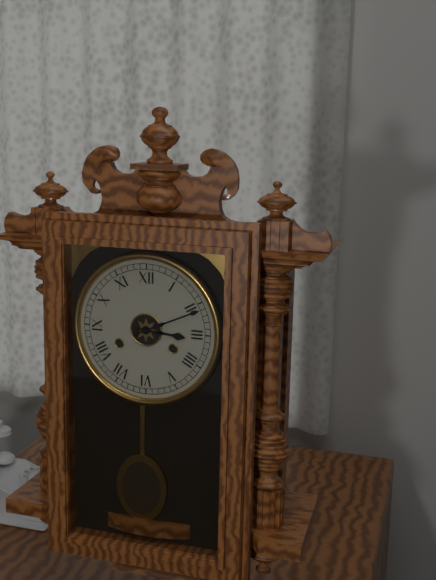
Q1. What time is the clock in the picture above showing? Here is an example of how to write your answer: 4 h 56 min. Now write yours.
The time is 3 h 11 min
